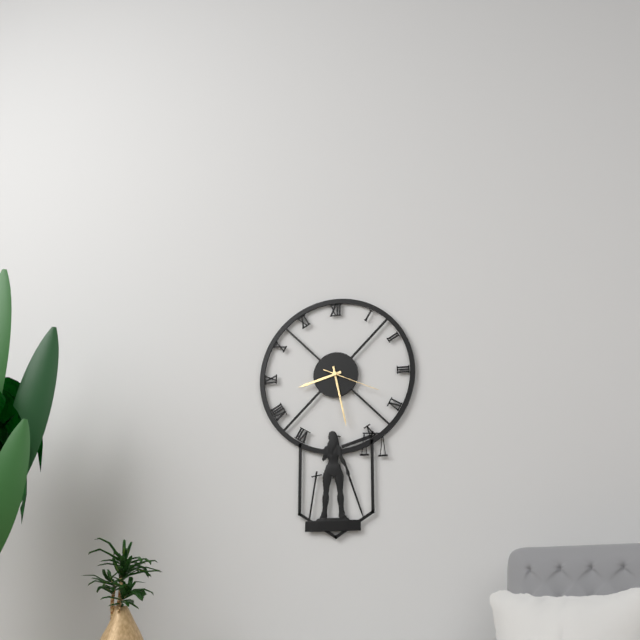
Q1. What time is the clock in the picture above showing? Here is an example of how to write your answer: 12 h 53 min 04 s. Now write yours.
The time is 8 h 28 min 19 s
